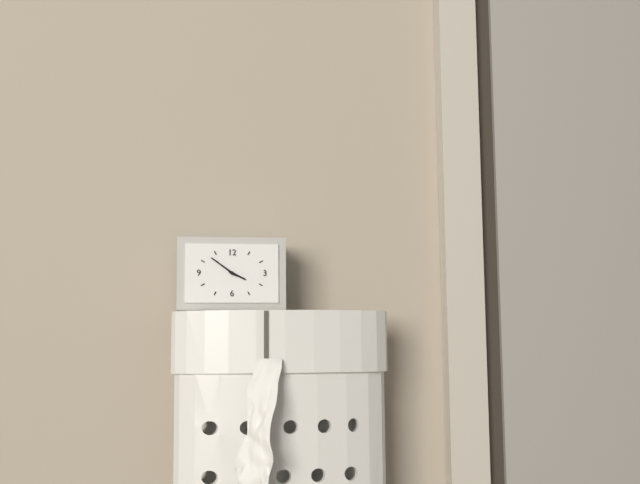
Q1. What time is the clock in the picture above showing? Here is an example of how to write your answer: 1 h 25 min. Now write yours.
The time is 3 h 51 min
